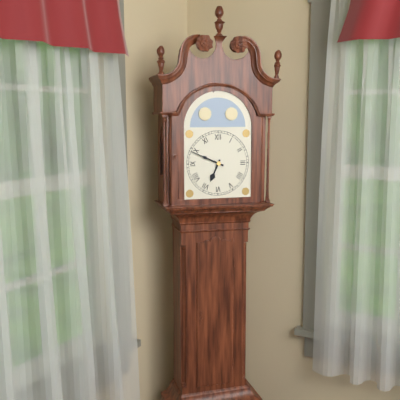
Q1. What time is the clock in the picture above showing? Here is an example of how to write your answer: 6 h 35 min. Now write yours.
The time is 6 h 49 min
